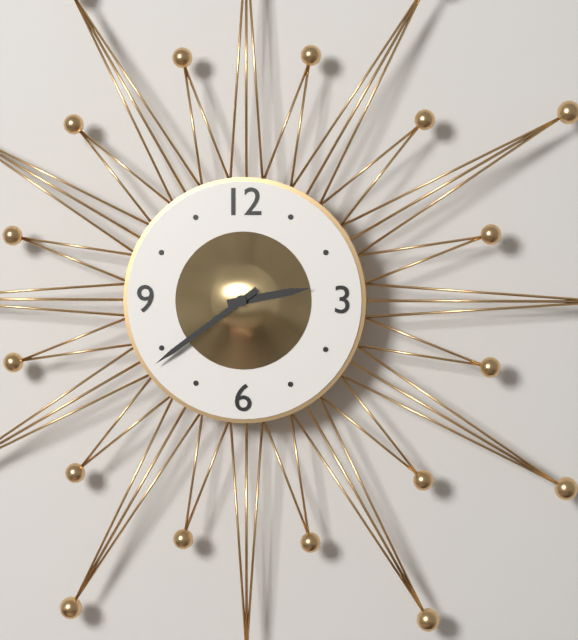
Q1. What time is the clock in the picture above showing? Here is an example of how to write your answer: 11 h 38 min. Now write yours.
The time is 2 h 39 min
